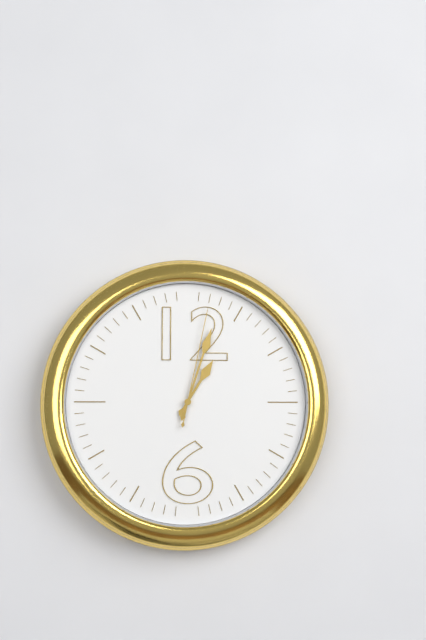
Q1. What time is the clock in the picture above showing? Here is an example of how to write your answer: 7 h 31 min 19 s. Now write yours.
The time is 1 h 03 min 02 s
